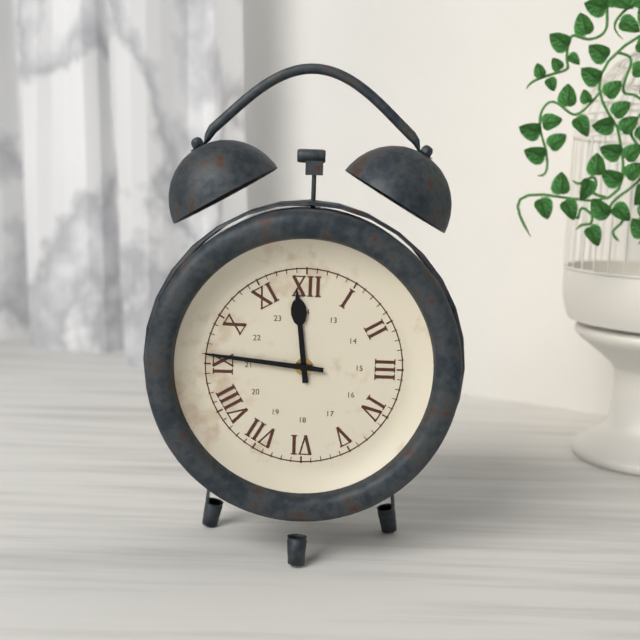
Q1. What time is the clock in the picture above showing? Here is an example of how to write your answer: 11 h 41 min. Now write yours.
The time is 11 h 46 min
